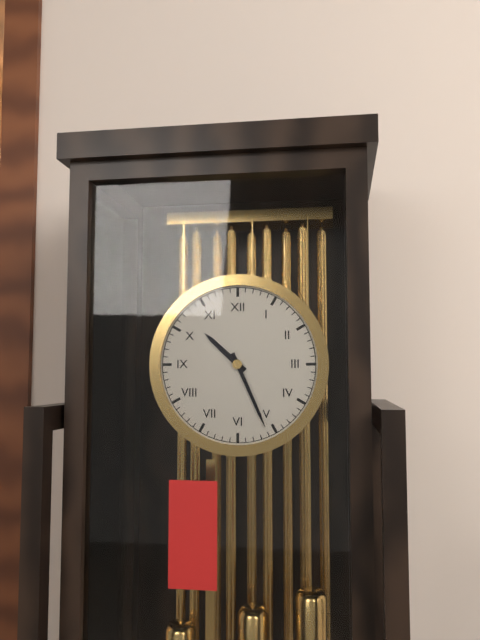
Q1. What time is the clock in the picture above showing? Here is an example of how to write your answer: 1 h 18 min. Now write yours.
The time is 10 h 26 min
